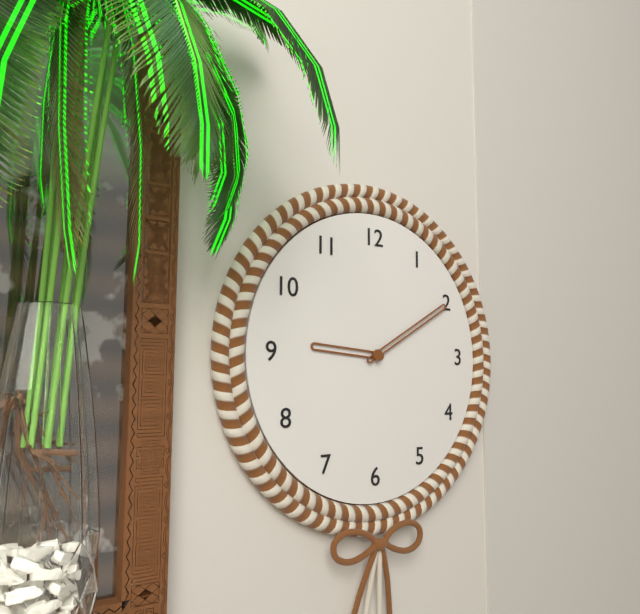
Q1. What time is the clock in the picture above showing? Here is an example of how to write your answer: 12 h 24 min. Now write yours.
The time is 9 h 10 min
